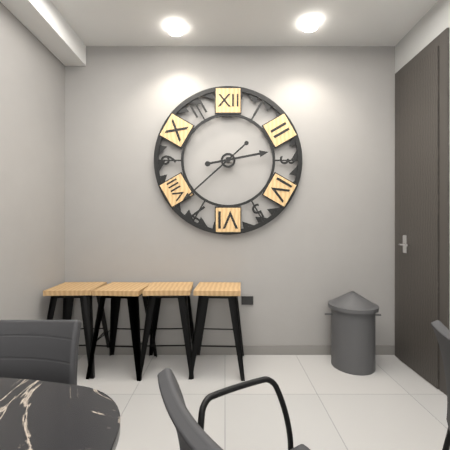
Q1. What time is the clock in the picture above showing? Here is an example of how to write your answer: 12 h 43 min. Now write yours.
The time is 2 h 38 min
